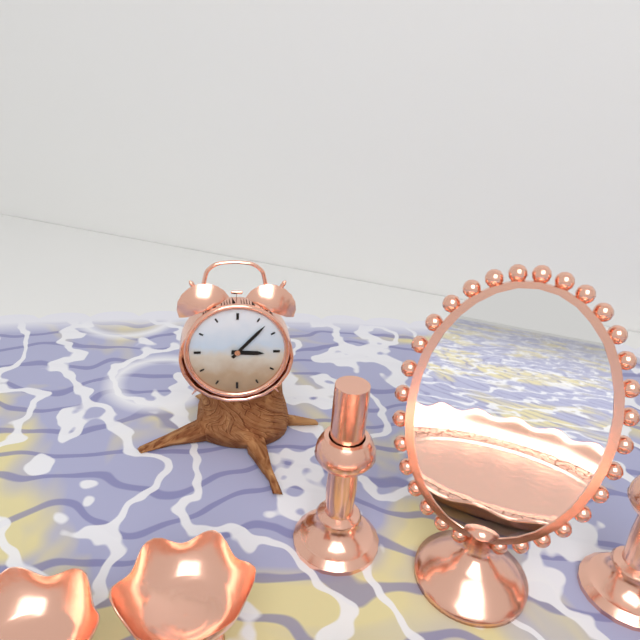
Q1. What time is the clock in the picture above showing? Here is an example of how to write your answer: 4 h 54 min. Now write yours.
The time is 3 h 07 min
